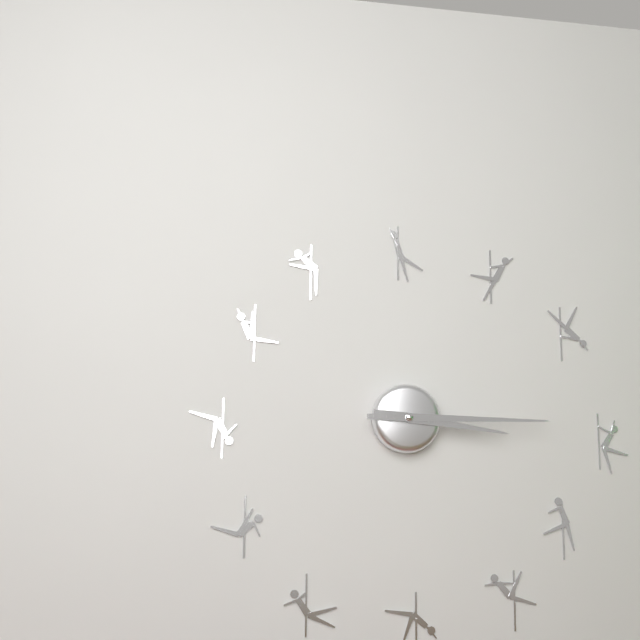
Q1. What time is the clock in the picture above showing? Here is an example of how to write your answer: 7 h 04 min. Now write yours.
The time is 3 h 15 min
